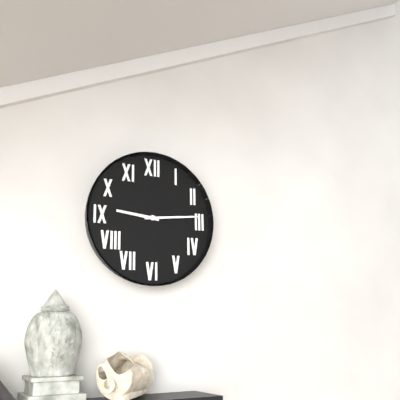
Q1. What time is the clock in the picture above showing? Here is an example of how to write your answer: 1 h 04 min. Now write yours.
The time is 9 h 14 min
